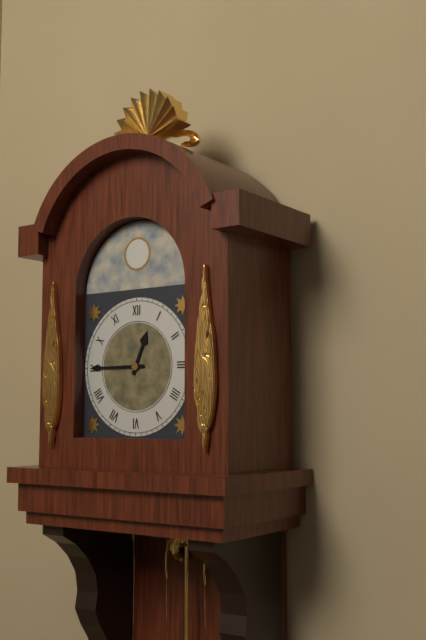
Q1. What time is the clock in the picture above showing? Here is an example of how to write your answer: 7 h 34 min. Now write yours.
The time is 12 h 45 min
